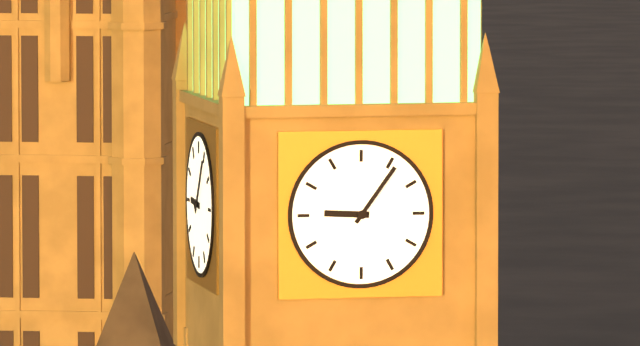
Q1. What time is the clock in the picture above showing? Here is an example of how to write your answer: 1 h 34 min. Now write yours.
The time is 9 h 06 min
